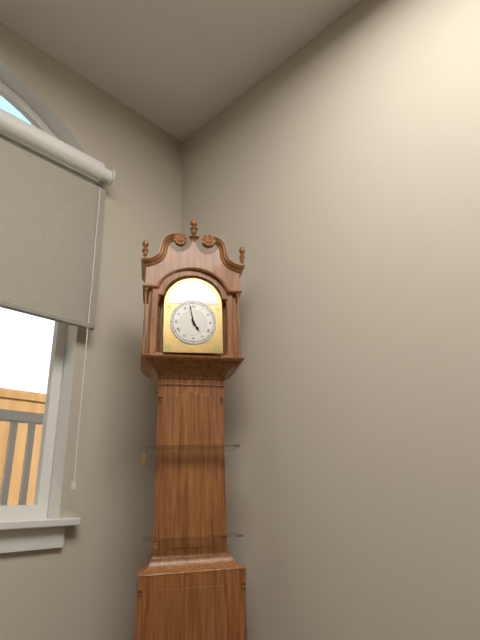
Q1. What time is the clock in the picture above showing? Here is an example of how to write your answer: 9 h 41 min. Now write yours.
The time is 4 h 58 min
